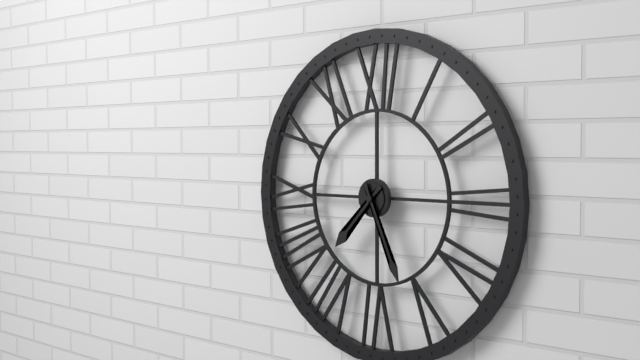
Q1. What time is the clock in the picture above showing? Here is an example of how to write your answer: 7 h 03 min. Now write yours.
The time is 7 h 26 min
